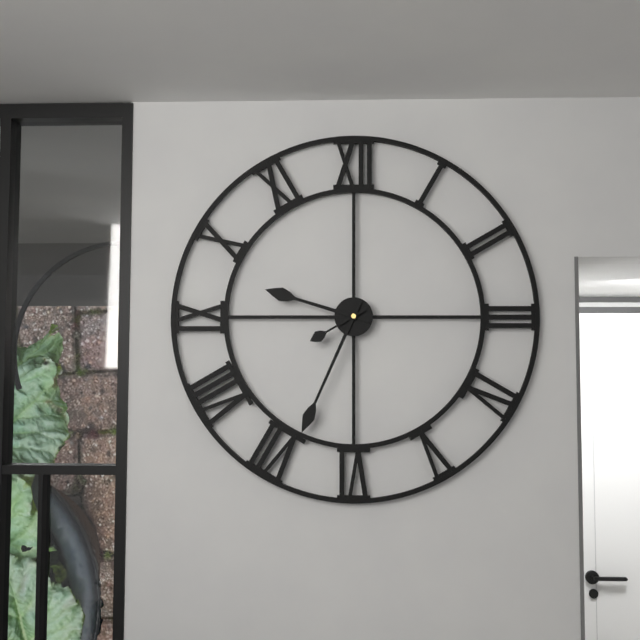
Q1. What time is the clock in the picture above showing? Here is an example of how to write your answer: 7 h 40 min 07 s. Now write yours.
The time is 9 h 34 min 40 s
